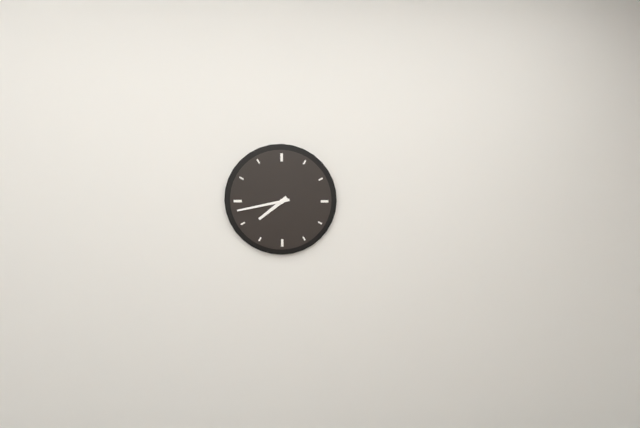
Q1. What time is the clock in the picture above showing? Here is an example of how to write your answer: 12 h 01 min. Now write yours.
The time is 7 h 43 min
